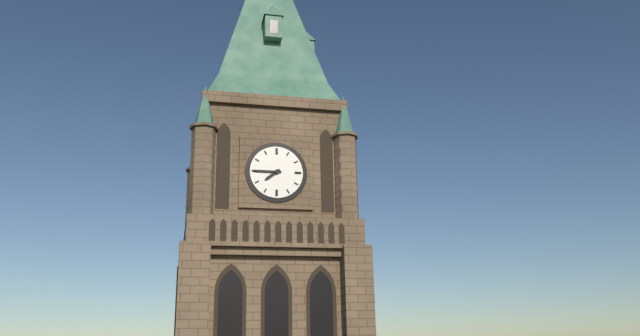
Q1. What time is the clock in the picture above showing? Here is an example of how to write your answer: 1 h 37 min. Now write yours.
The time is 7 h 45 min
